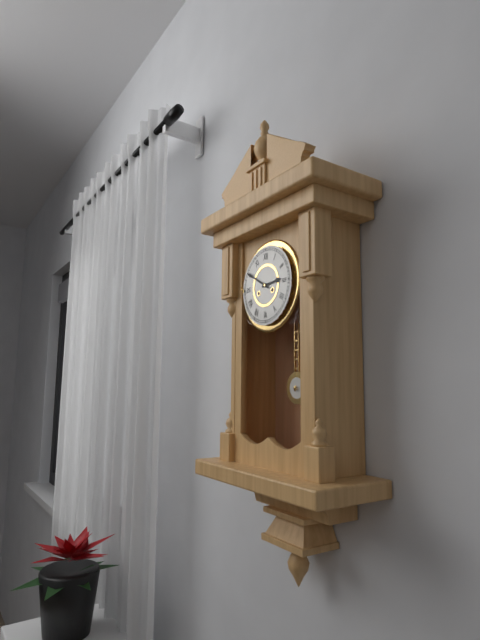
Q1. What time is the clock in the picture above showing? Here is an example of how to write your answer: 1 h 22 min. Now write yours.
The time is 2 h 50 min
